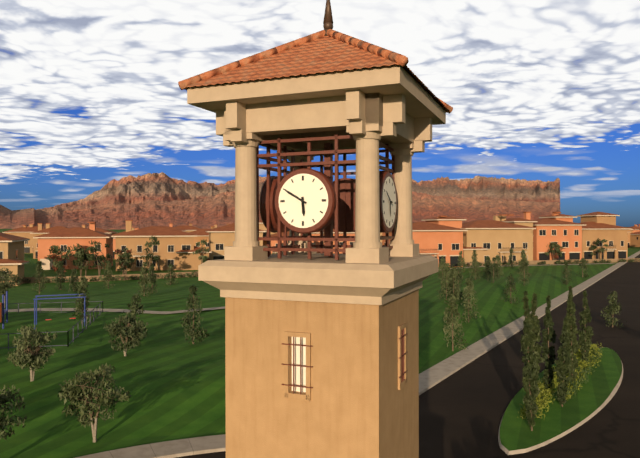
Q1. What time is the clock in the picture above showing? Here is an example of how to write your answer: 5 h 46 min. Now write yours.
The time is 5 h 50 min
